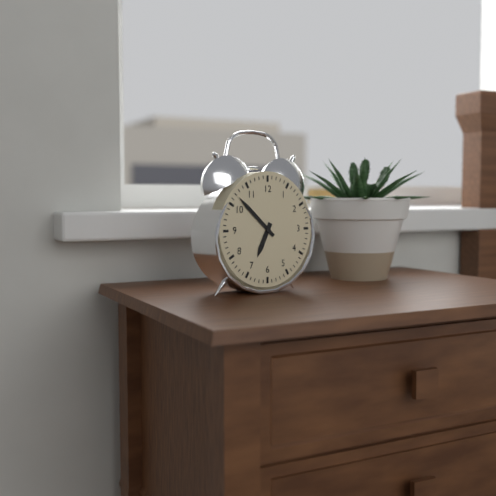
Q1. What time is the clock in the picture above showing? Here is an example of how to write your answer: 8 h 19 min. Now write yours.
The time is 6 h 52 min
